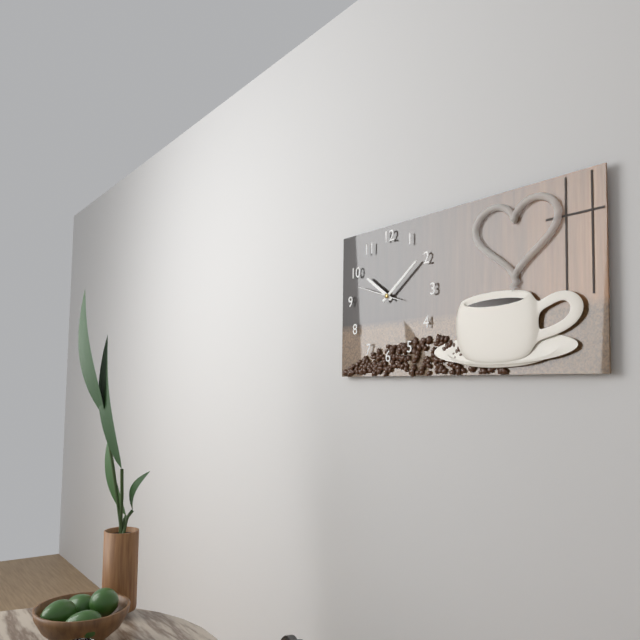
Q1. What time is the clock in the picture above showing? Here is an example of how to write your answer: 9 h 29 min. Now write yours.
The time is 10 h 09 min
